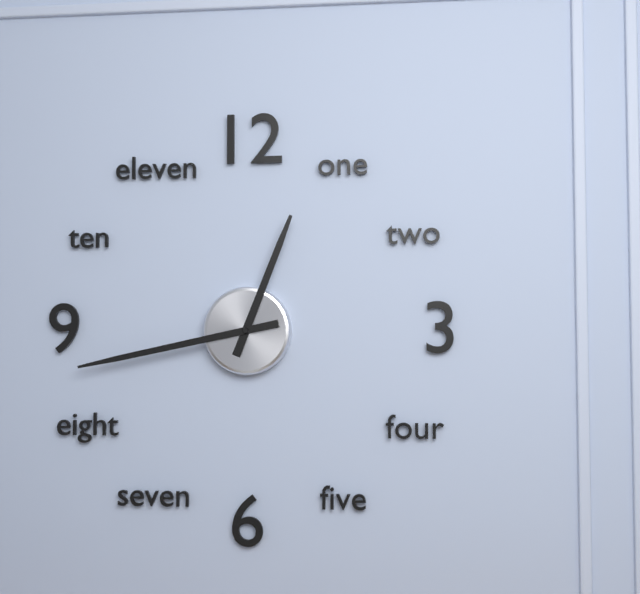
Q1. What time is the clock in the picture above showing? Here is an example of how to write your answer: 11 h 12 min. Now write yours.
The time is 12 h 43 min
